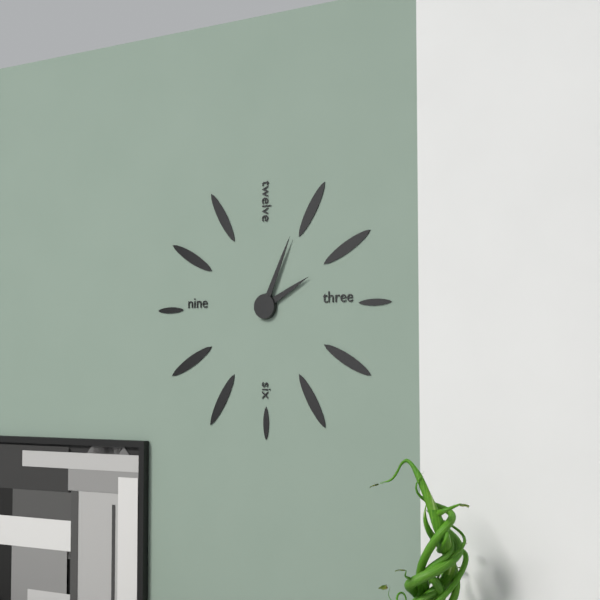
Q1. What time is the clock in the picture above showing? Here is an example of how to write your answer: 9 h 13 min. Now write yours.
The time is 2 h 04 min
